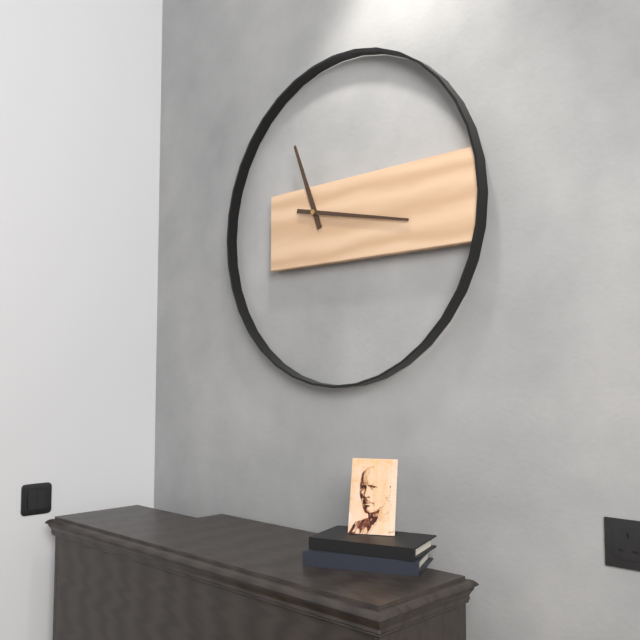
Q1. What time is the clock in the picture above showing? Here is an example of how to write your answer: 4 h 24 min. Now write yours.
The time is 11 h 17 min
